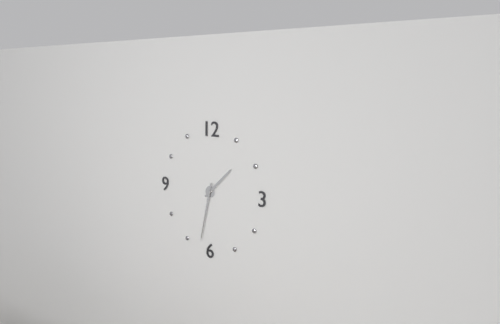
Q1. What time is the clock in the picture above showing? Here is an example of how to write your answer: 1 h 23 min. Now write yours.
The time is 1 h 32 min
